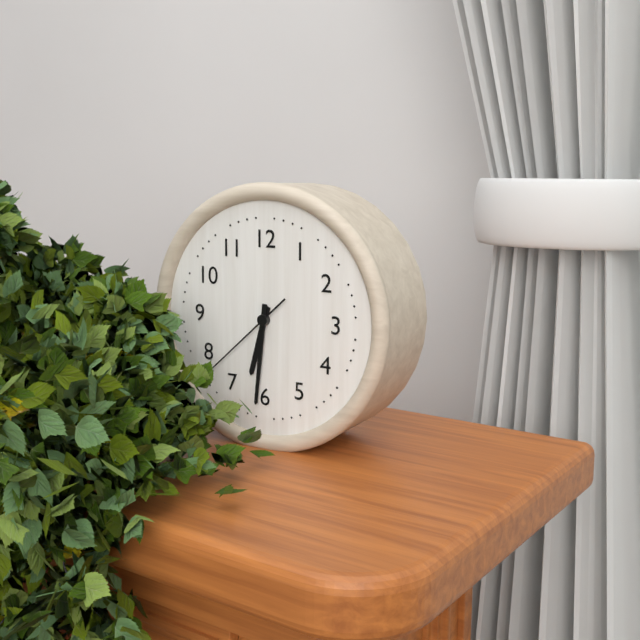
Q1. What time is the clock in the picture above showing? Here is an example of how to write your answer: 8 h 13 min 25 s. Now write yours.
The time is 6 h 31 min 38 s
